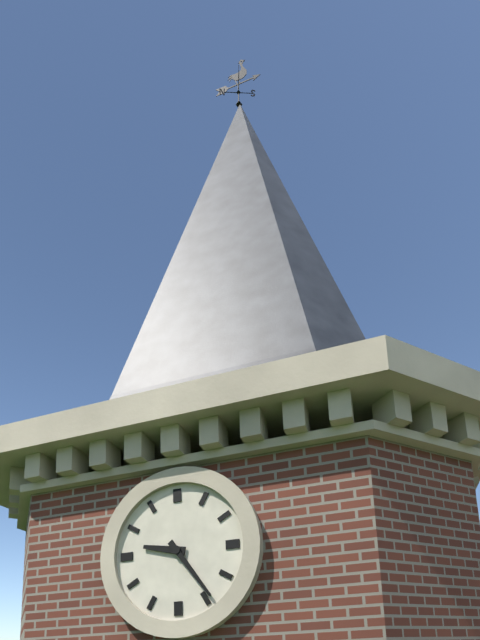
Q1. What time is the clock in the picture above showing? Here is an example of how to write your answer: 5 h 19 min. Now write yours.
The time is 9 h 24 min
